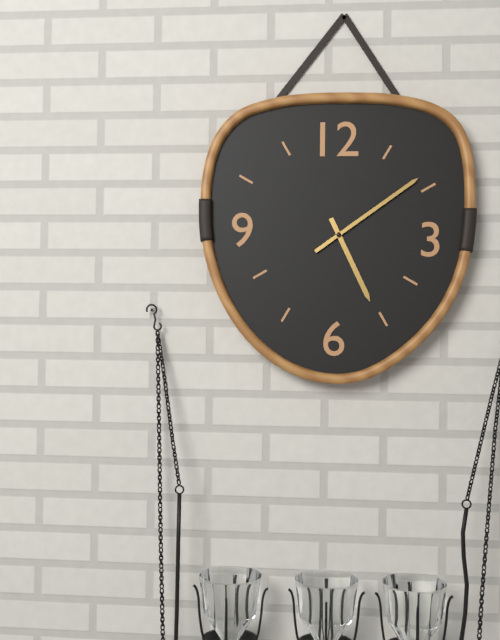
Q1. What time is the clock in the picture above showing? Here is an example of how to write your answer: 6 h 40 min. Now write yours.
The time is 5 h 09 min
